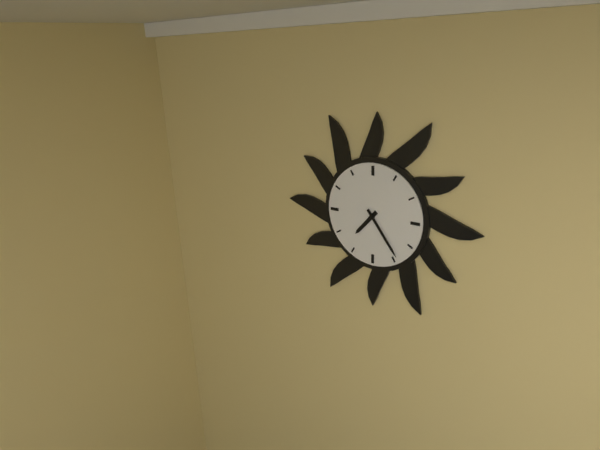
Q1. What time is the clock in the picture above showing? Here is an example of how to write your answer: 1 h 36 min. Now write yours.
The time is 7 h 24 min
